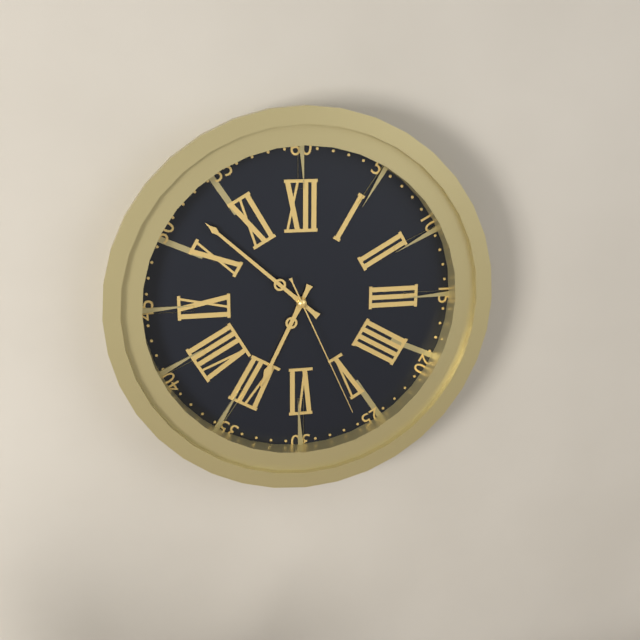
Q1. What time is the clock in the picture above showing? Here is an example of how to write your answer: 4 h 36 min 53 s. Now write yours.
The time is 6 h 52 min 26 s
